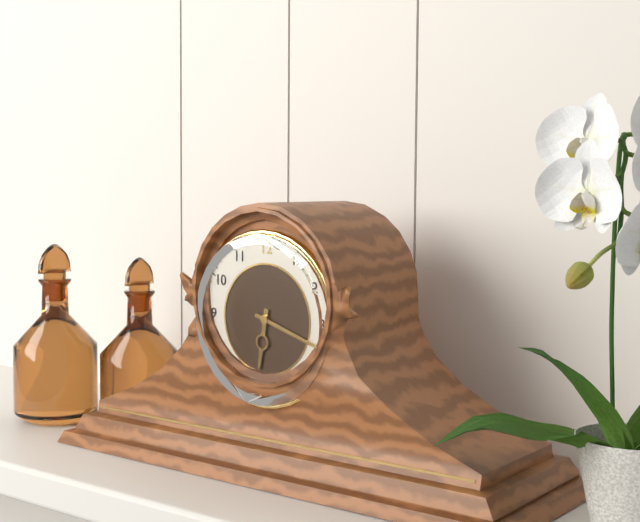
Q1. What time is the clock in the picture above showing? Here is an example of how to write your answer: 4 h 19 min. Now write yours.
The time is 6 h 18 min
